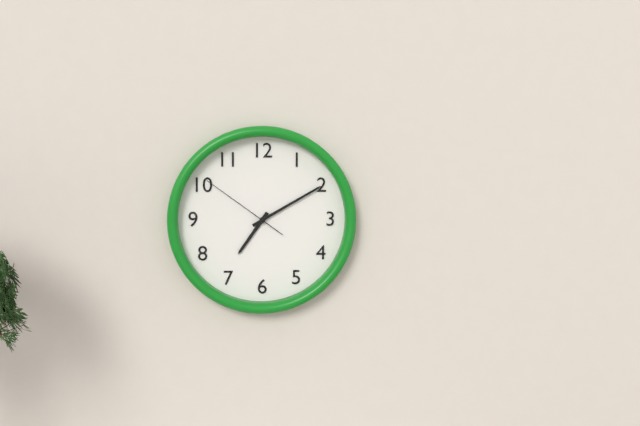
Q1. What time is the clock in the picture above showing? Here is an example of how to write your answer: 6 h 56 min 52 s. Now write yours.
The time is 7 h 10 min 51 s
